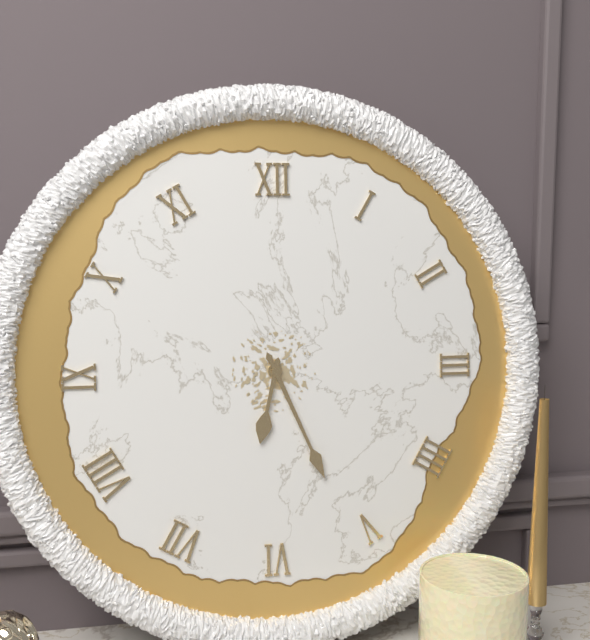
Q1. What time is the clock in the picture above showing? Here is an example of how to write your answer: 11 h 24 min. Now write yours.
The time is 6 h 26 min
